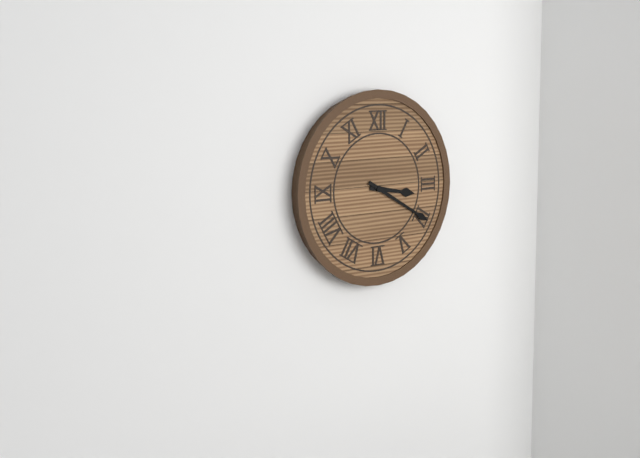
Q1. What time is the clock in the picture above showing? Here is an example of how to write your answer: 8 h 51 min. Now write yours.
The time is 3 h 20 min
